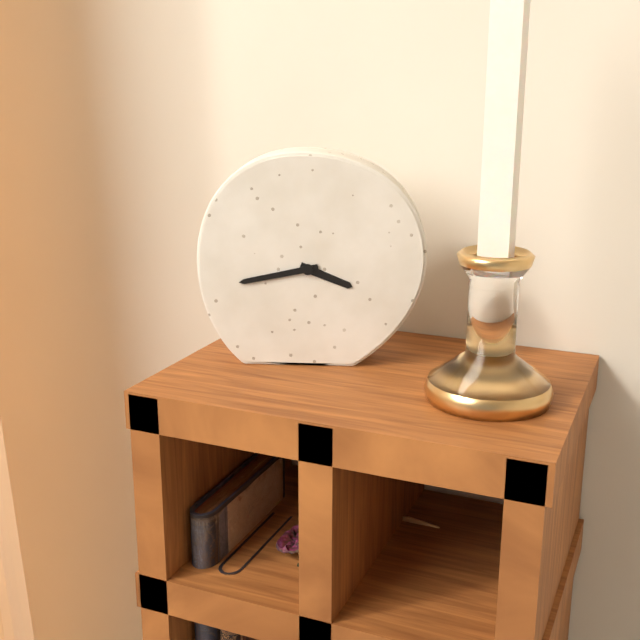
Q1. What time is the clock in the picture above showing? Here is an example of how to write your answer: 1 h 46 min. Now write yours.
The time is 3 h 43 min
